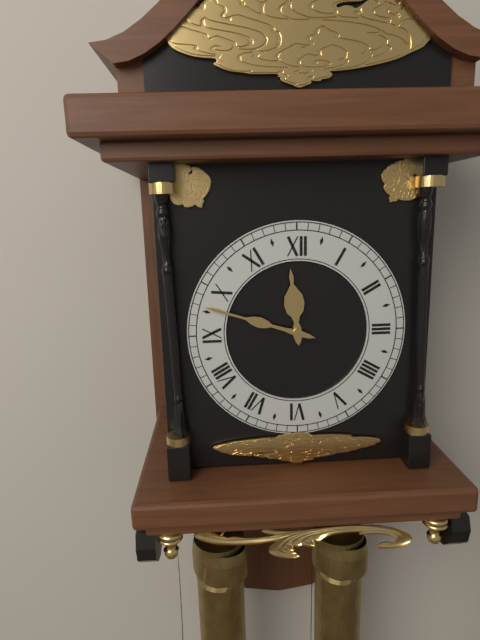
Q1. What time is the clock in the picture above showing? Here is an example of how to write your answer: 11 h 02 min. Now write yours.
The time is 11 h 48 min
